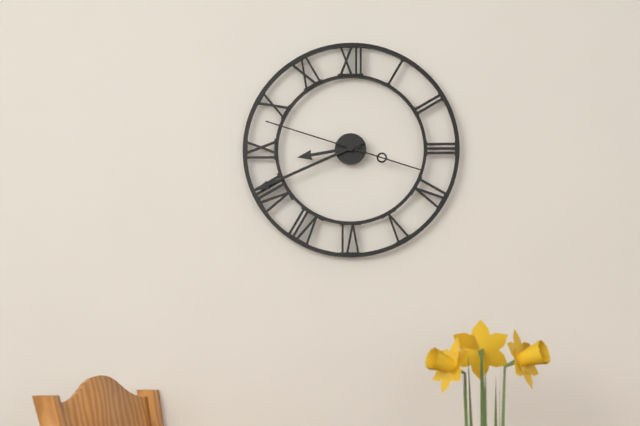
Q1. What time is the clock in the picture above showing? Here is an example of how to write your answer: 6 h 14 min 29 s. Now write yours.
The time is 8 h 41 min 48 s
